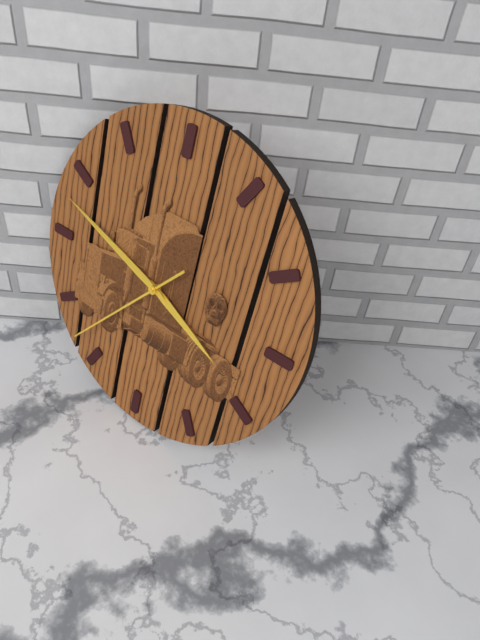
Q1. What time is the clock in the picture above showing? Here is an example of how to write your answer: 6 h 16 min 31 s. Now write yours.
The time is 3 h 48 min 37 s
